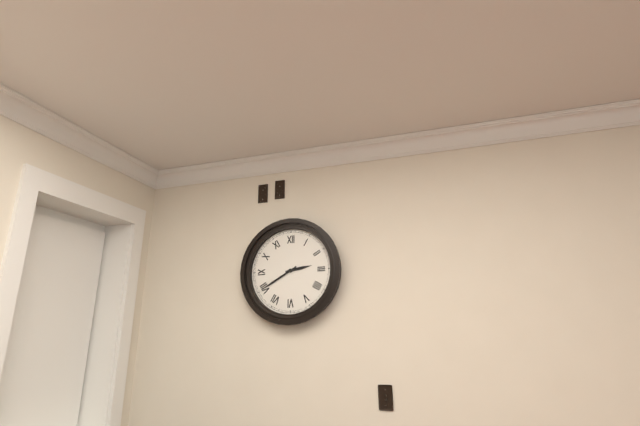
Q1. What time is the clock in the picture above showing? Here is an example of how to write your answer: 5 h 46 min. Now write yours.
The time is 2 h 40 min
